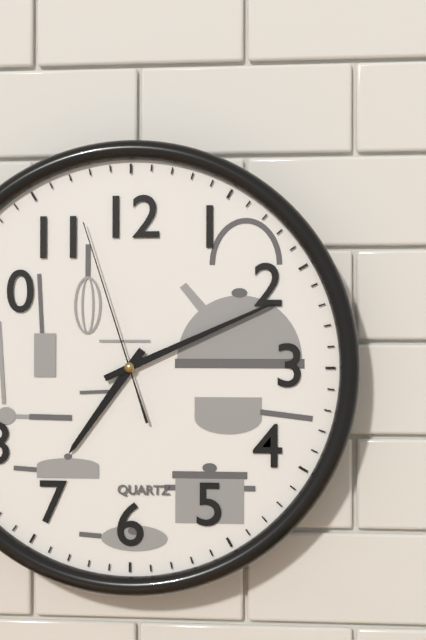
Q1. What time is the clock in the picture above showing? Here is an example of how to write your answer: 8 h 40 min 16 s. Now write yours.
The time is 7 h 11 min 57 s
